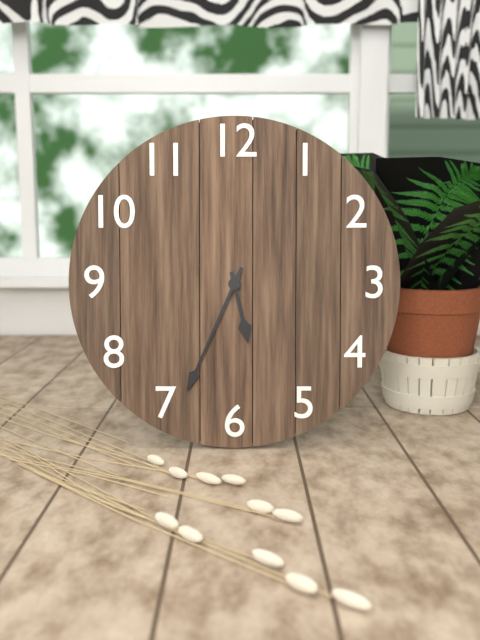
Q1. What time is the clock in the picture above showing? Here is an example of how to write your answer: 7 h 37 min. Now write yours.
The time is 5 h 34 min
